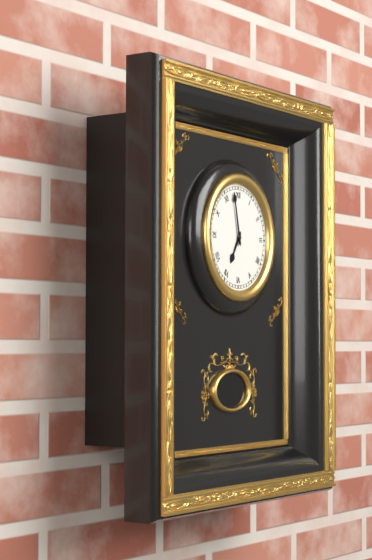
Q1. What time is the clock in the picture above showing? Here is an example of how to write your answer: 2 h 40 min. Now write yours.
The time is 6 h 58 min
